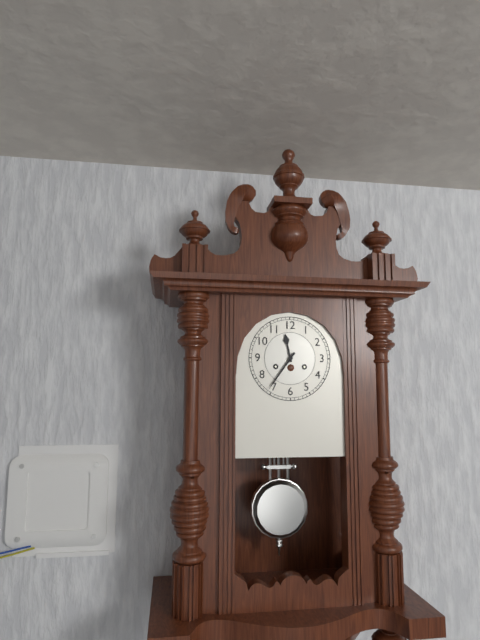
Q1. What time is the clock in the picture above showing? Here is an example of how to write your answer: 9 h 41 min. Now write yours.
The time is 11 h 36 min
